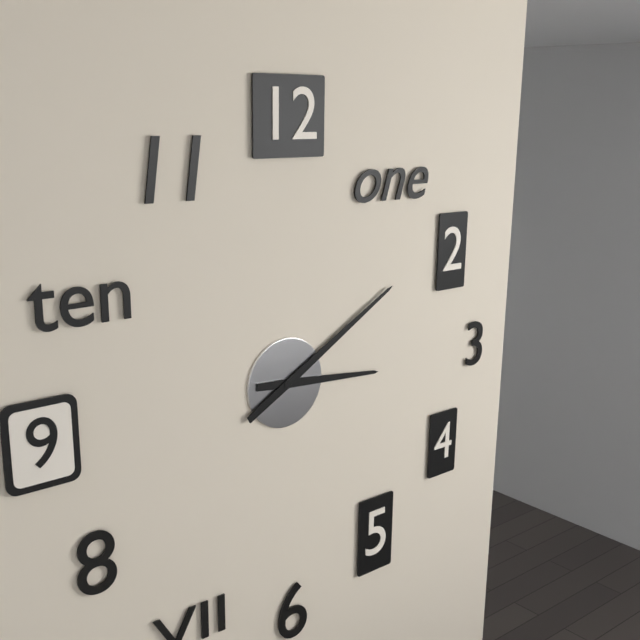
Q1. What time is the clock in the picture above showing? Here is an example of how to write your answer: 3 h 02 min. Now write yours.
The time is 3 h 10 min
